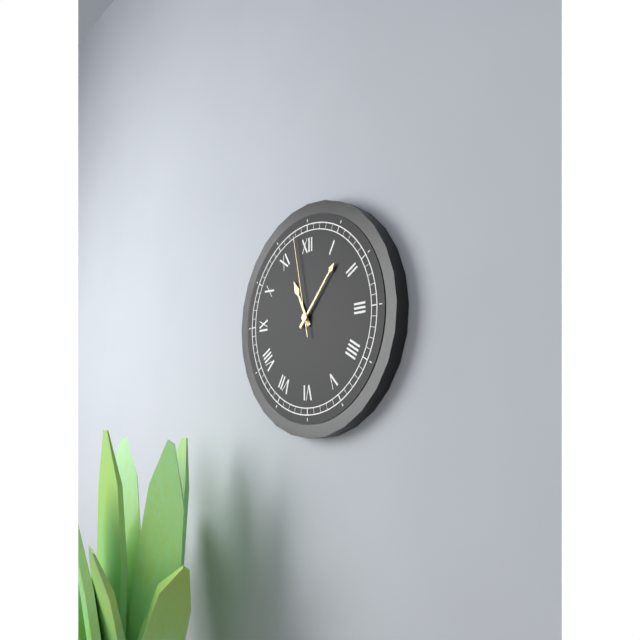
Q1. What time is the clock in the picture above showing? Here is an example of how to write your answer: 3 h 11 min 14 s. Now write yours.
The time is 11 h 07 min 58 s
